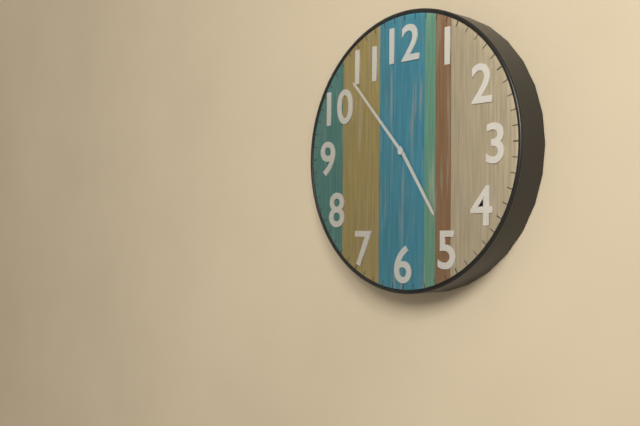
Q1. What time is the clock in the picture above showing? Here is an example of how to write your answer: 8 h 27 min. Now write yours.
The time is 4 h 53 min
